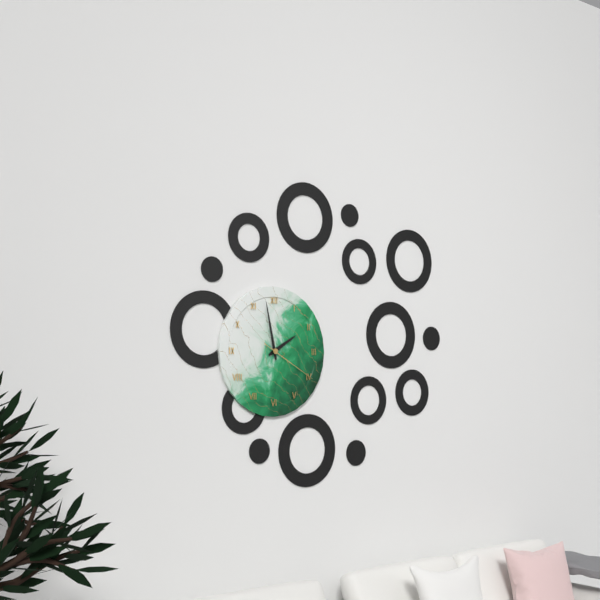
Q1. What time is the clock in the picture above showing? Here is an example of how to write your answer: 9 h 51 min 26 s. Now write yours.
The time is 1 h 58 min 20 s
